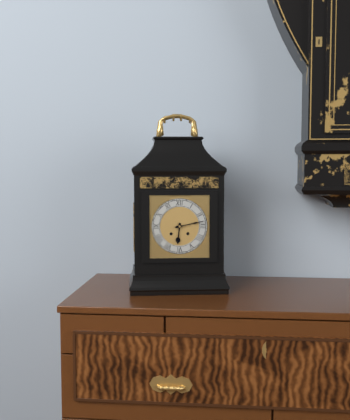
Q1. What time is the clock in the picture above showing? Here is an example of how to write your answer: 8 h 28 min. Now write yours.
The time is 6 h 13 min
